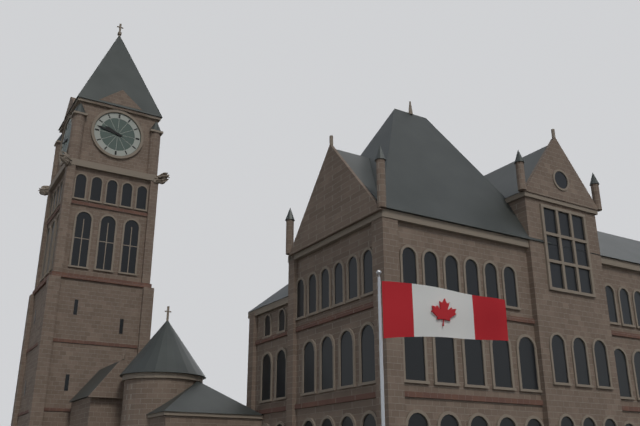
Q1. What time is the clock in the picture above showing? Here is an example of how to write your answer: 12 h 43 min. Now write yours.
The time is 9 h 47 min
